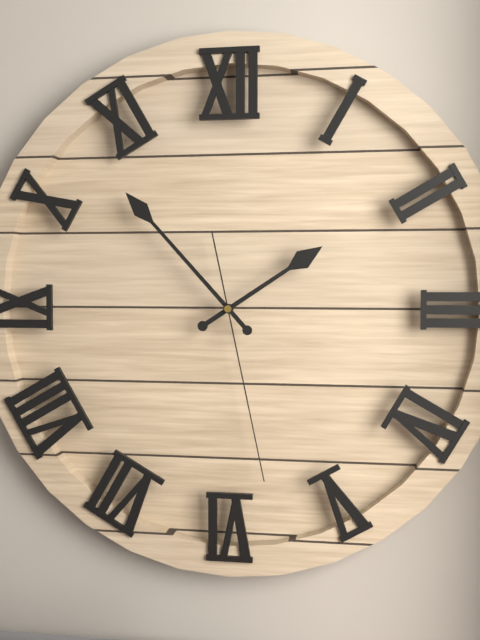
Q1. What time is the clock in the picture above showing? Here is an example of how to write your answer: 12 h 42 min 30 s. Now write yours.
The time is 1 h 53 min 28 s
